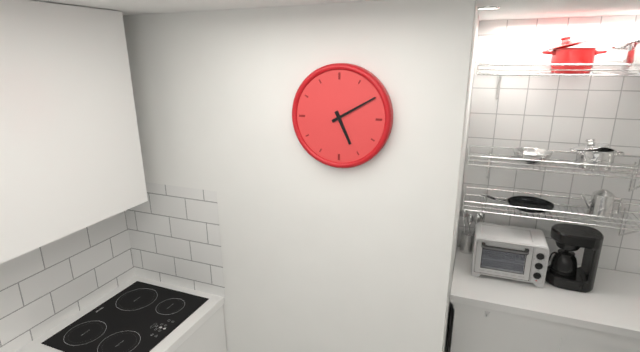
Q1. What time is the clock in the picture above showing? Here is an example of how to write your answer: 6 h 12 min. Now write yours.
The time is 5 h 10 min
